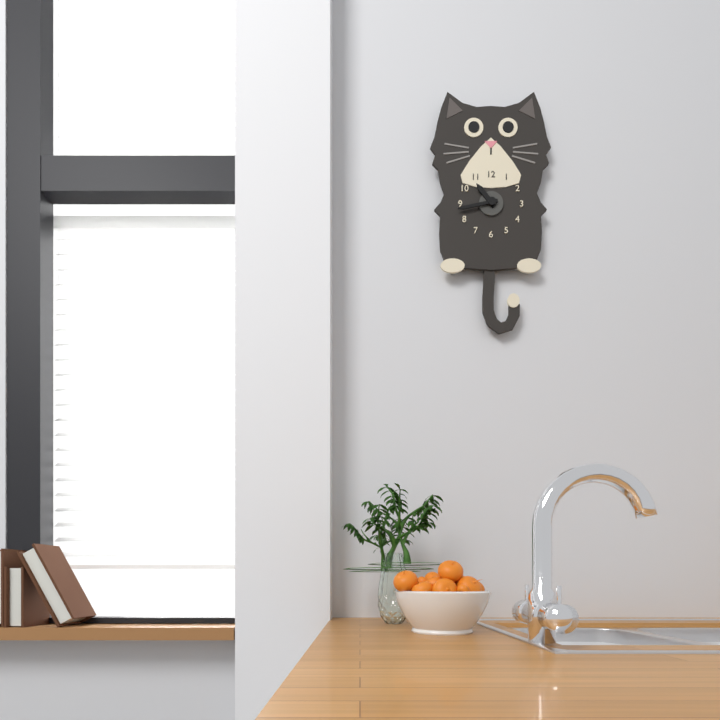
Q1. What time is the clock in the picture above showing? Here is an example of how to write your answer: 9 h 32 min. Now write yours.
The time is 10 h 43 min
